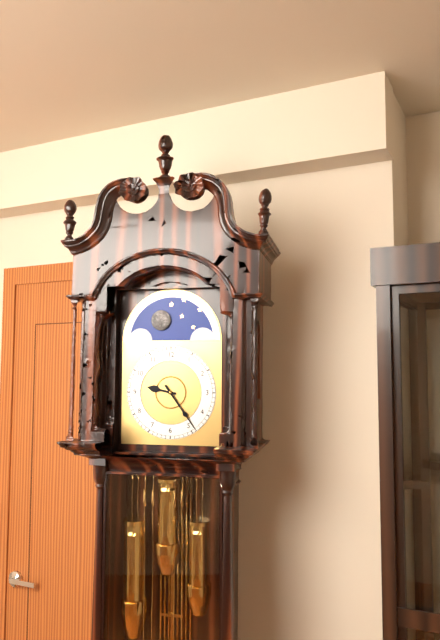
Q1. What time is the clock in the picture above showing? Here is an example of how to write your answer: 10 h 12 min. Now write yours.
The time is 9 h 24 min
